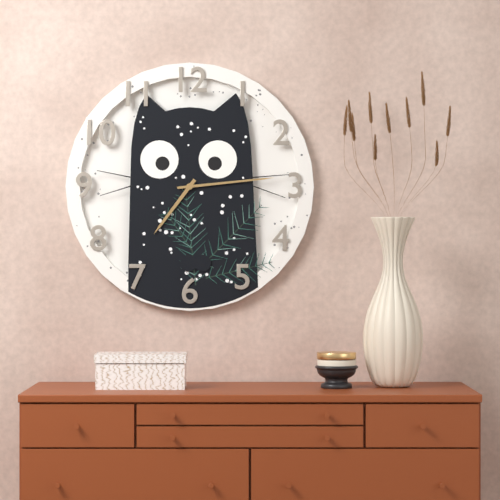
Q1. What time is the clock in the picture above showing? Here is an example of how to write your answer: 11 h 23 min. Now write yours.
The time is 7 h 14 min
